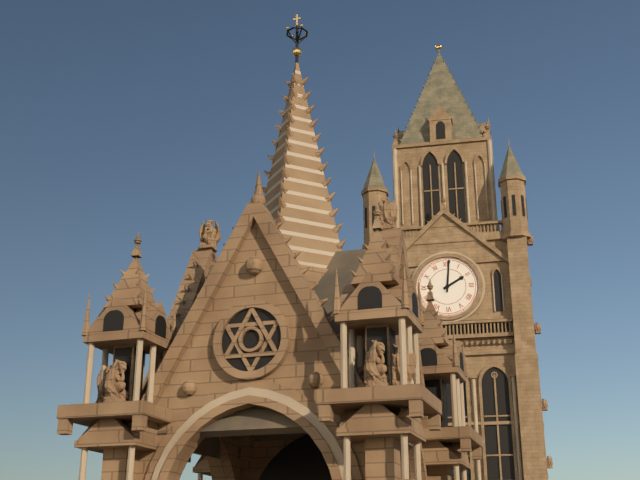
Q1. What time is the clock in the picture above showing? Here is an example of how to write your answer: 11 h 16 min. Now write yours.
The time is 2 h 01 min
